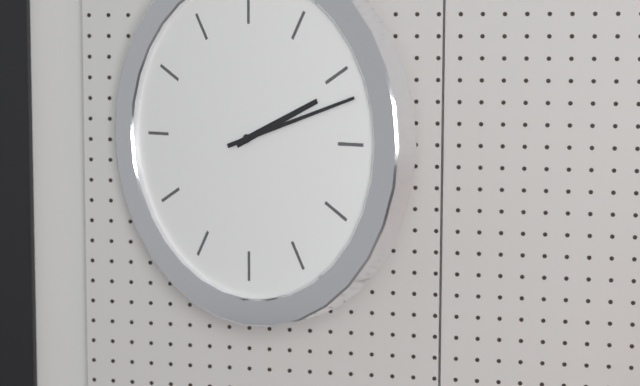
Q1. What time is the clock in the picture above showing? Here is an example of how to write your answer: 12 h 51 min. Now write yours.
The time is 2 h 12 min
